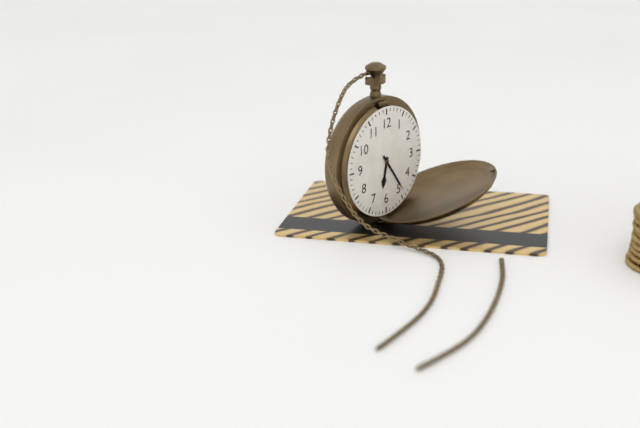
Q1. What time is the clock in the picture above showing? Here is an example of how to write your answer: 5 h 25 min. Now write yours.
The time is 6 h 24 min
